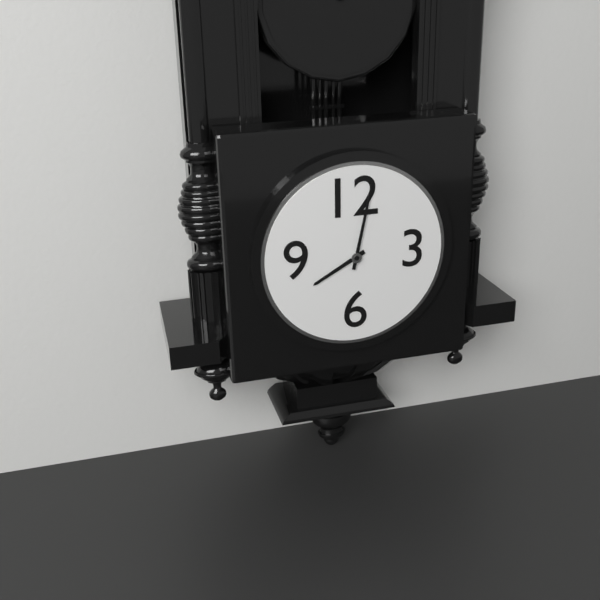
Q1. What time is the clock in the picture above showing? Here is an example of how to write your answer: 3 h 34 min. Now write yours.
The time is 8 h 02 min
